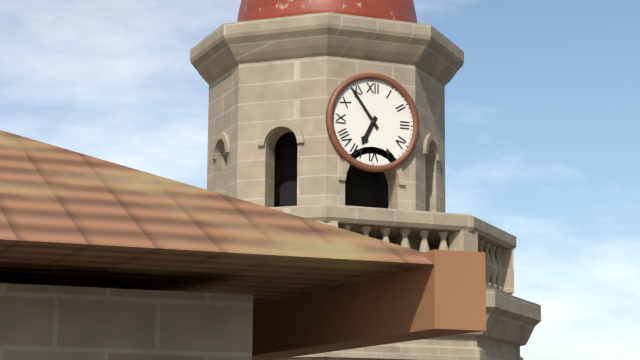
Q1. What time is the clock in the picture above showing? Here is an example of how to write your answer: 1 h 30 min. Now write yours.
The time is 6 h 54 min
